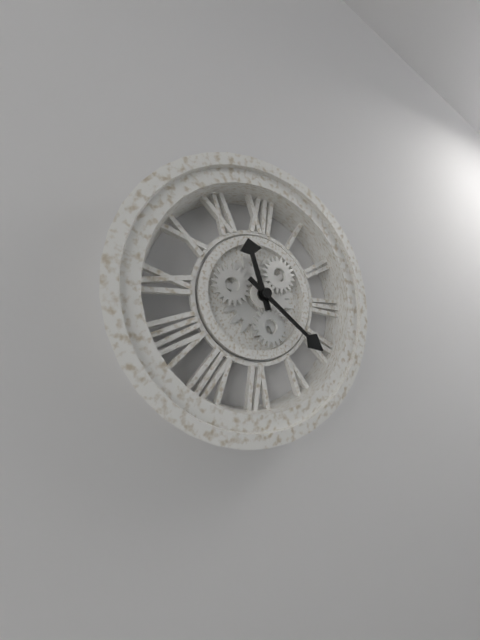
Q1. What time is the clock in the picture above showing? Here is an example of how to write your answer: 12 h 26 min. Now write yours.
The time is 11 h 21 min
